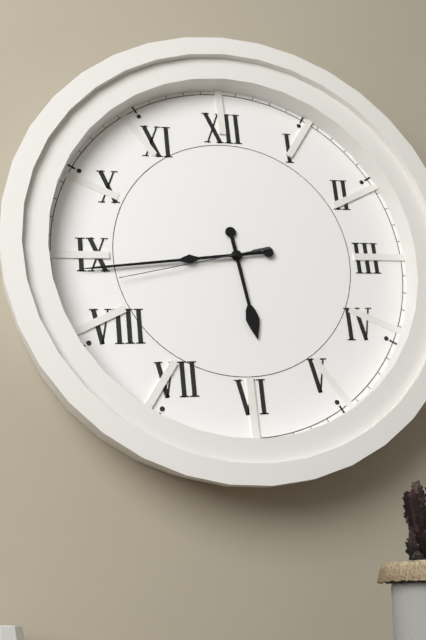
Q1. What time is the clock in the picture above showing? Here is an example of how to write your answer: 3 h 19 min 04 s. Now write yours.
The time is 5 h 44 min 43 s
